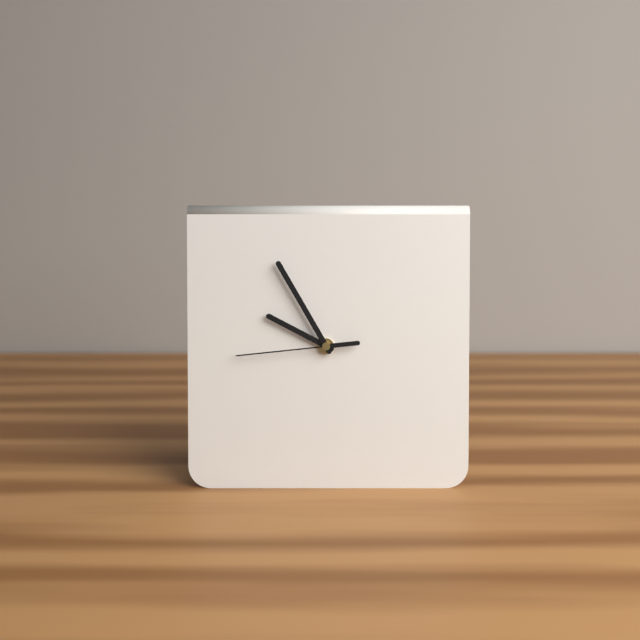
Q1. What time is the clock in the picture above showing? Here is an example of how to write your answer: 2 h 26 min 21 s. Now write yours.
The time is 9 h 55 min 44 s
